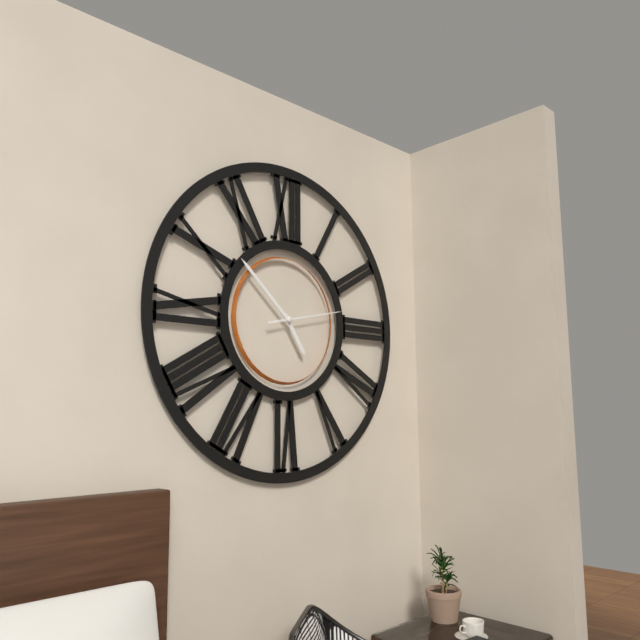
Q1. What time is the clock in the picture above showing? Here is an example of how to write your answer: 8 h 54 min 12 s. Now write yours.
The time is 4 h 52 min 13 s
